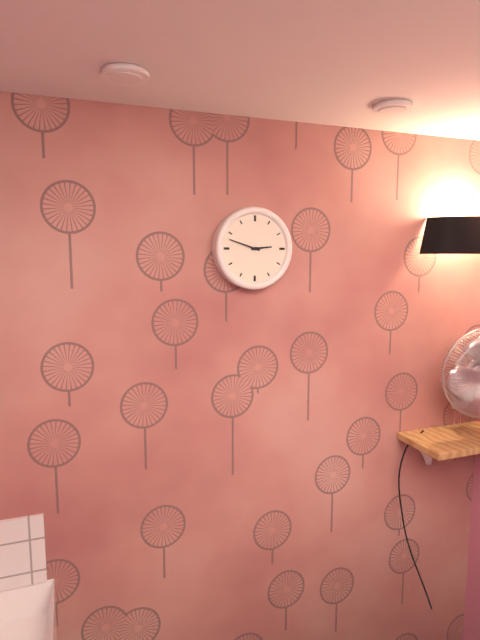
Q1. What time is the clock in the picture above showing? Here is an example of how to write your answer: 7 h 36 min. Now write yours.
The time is 2 h 48 min
